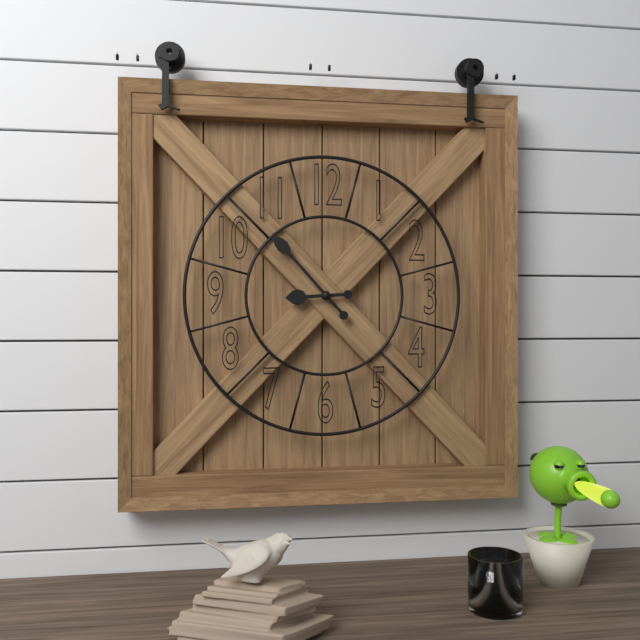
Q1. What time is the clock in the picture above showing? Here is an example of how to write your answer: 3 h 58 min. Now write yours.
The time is 8 h 53 min
